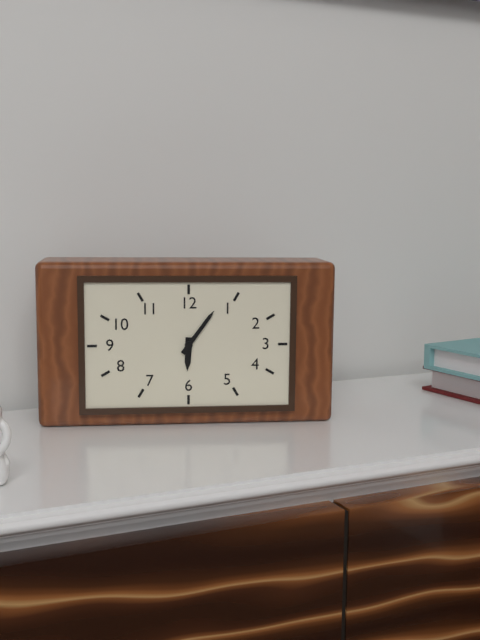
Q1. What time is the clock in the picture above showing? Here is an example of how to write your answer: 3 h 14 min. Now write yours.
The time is 6 h 06 min
